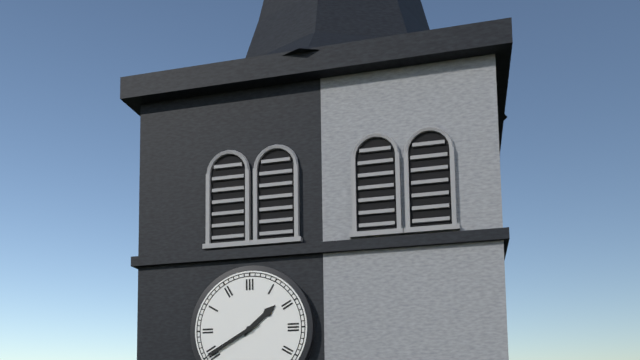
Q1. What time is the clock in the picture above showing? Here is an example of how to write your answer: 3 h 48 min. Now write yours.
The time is 1 h 40 min
